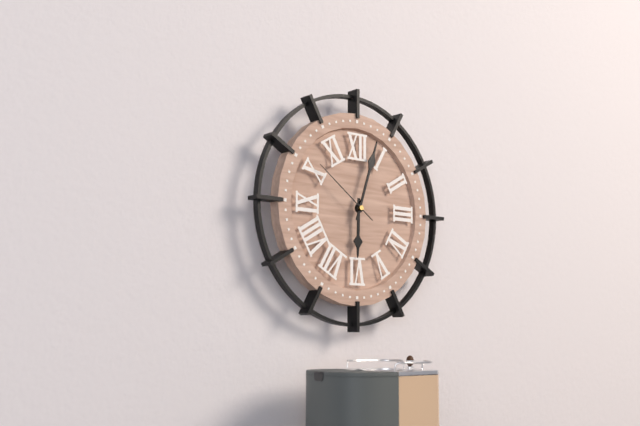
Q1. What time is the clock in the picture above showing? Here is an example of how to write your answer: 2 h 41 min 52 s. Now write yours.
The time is 6 h 03 min 51 s
